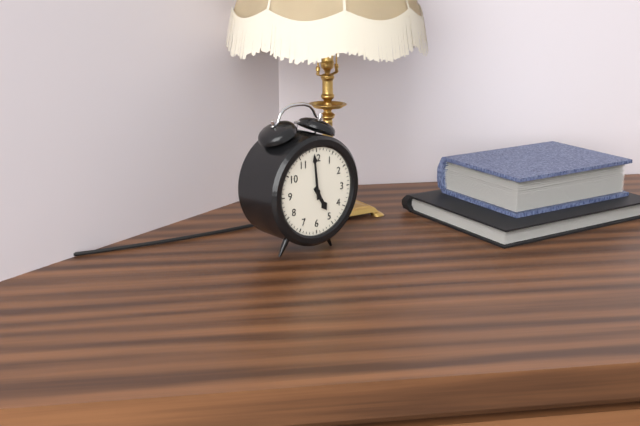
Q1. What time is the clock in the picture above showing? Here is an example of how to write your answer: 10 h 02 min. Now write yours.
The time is 4 h 59 min
